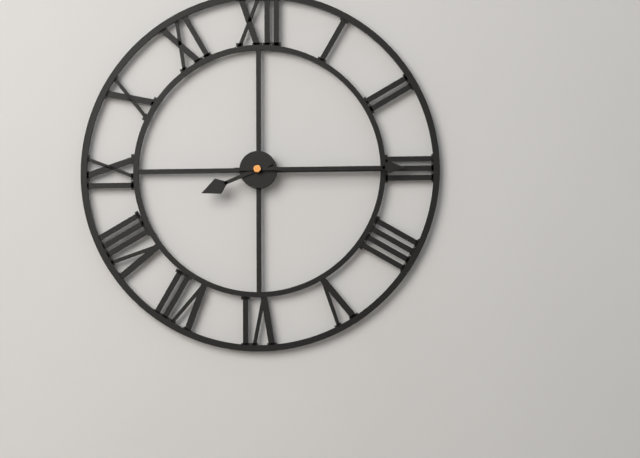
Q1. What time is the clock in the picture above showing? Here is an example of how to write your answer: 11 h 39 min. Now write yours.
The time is 8 h 15 min
